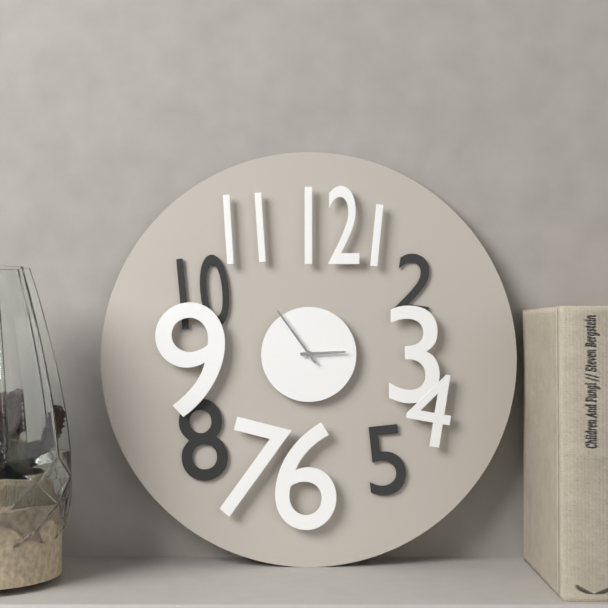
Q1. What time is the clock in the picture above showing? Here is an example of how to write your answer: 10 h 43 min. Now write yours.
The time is 2 h 54 min
